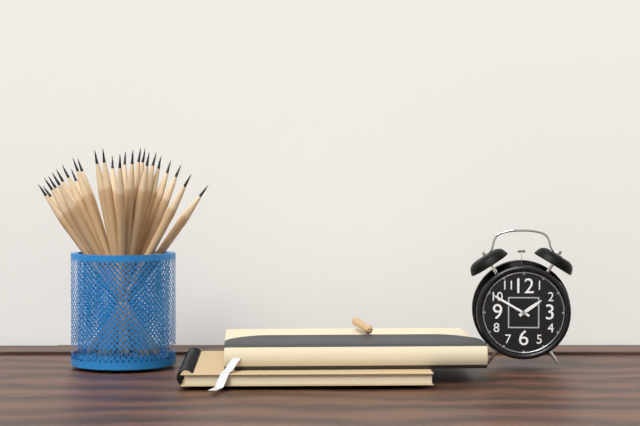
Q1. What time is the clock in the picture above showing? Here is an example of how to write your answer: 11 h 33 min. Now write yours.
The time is 1 h 50 min
